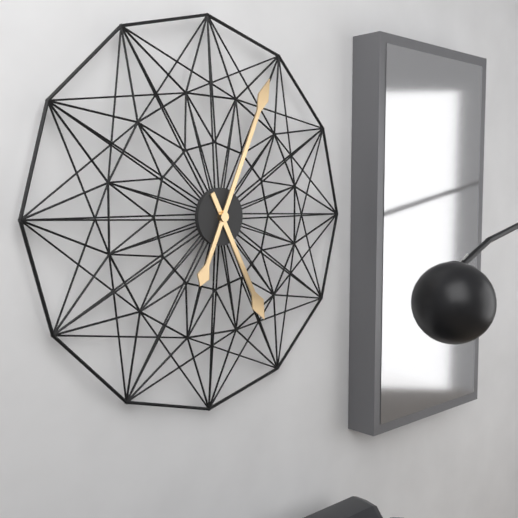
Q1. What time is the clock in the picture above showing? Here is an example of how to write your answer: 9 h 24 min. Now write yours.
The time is 5 h 04 min
